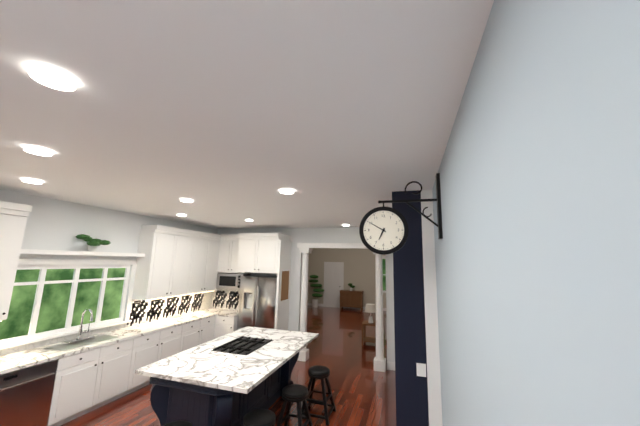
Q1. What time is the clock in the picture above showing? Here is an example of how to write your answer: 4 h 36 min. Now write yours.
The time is 6 h 50 min
